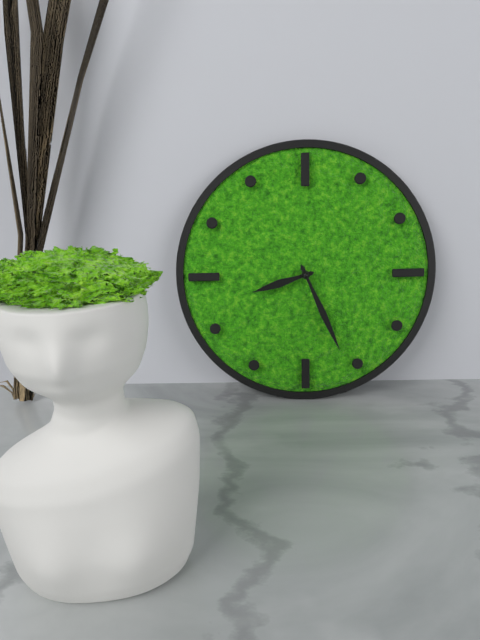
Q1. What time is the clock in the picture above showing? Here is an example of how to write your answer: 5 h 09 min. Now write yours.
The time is 8 h 26 min
